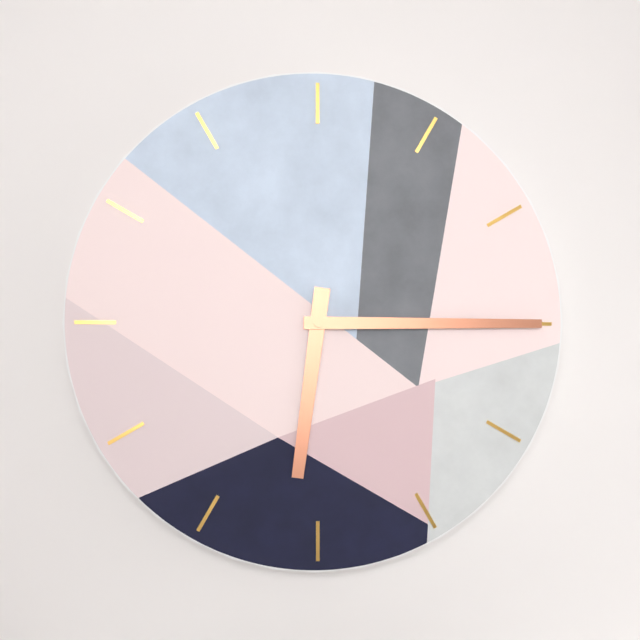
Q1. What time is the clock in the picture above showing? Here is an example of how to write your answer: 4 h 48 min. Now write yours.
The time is 6 h 15 min
